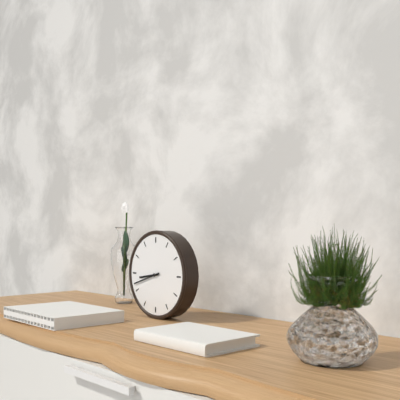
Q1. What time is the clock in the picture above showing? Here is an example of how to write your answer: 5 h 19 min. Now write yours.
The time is 8 h 42 min
